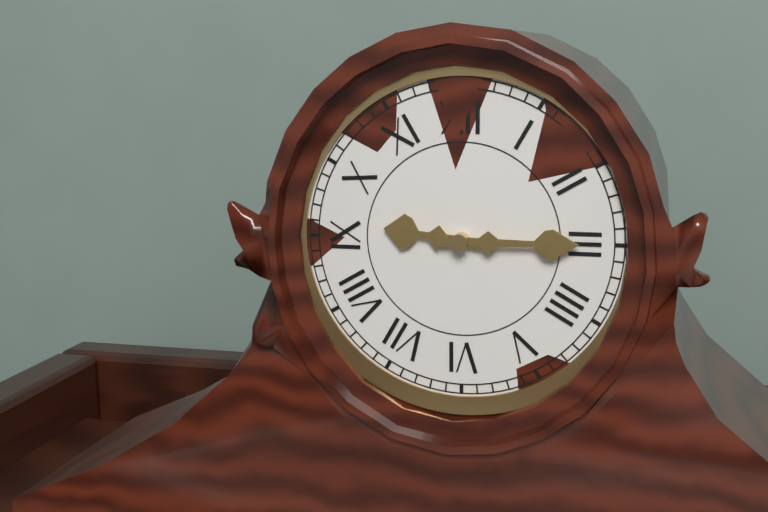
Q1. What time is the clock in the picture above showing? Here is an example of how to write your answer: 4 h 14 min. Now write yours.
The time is 9 h 15 min
